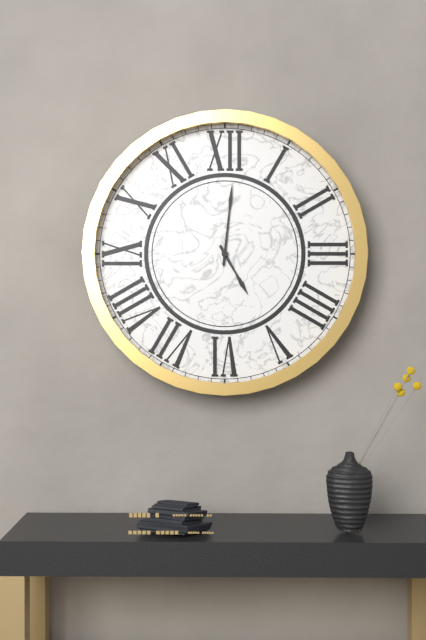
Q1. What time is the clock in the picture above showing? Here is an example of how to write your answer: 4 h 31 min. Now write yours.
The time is 5 h 01 min
